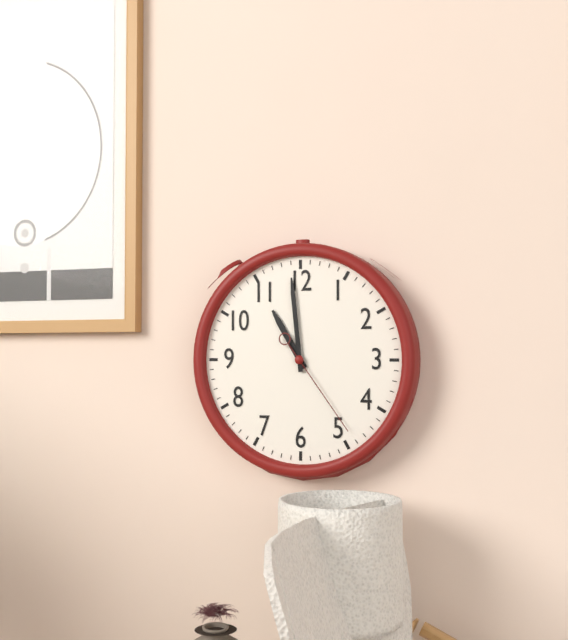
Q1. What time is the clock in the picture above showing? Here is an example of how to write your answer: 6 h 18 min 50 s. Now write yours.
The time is 10 h 59 min 24 s
